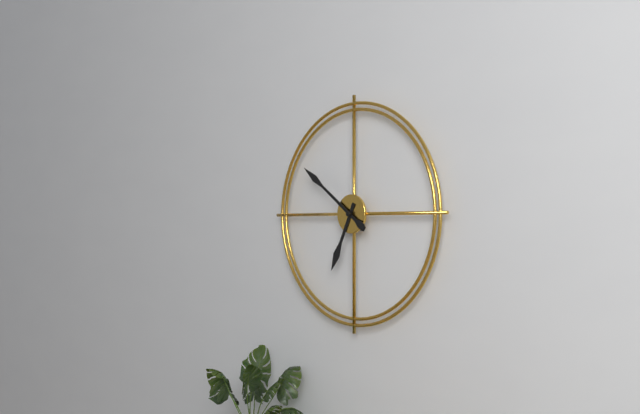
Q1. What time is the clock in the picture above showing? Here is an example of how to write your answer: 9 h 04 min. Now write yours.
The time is 6 h 51 min
